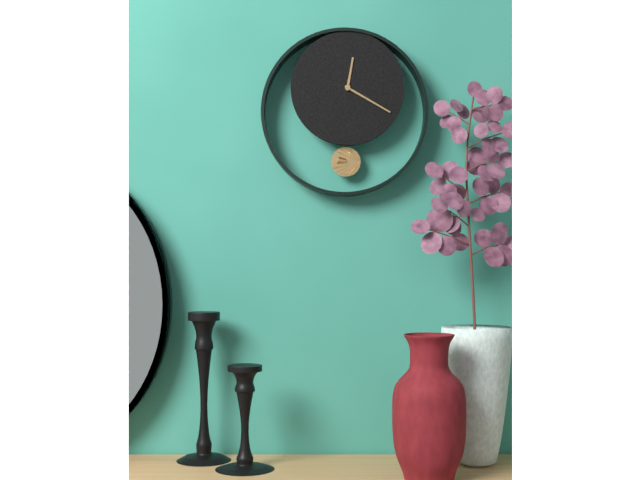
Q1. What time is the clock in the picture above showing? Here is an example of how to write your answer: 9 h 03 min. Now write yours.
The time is 12 h 20 min
